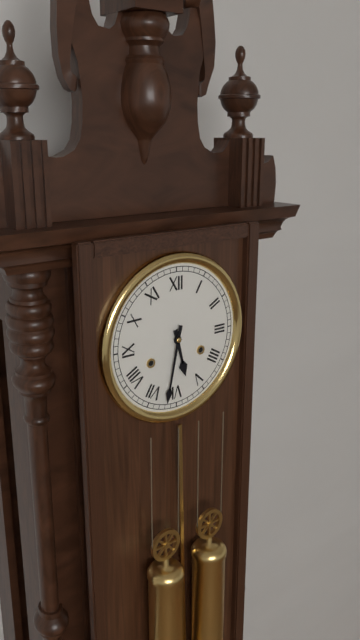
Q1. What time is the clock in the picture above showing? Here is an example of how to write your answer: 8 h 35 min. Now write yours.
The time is 5 h 32 min
